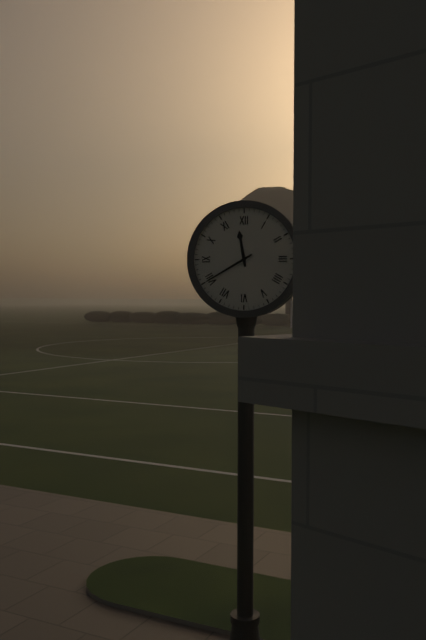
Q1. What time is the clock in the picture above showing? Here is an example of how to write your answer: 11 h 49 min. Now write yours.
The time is 11 h 40 min
